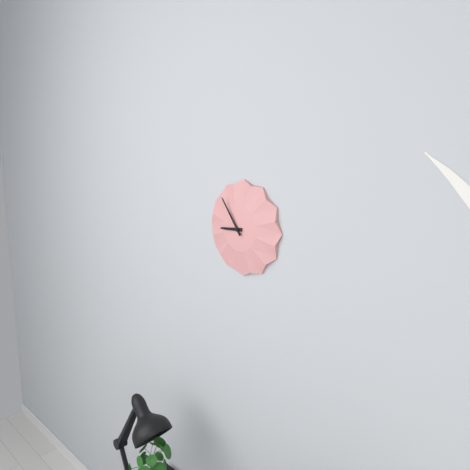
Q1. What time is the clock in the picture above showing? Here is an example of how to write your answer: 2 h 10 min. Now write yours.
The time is 8 h 54 min
